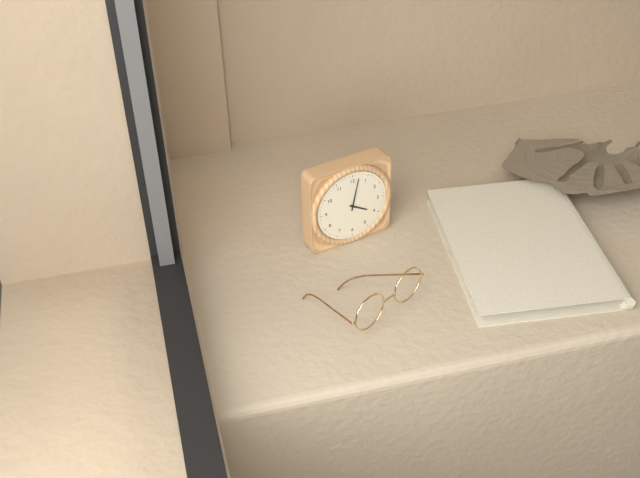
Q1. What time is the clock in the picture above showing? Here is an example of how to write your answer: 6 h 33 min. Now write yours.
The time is 4 h 02 min
